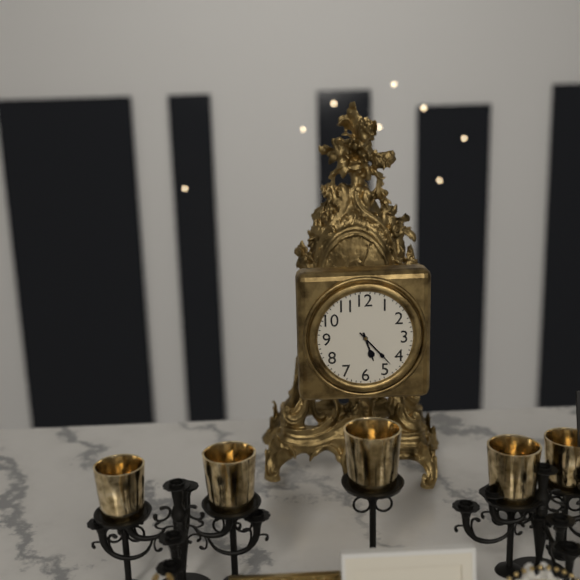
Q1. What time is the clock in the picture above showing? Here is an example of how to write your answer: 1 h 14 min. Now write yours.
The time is 5 h 23 min
